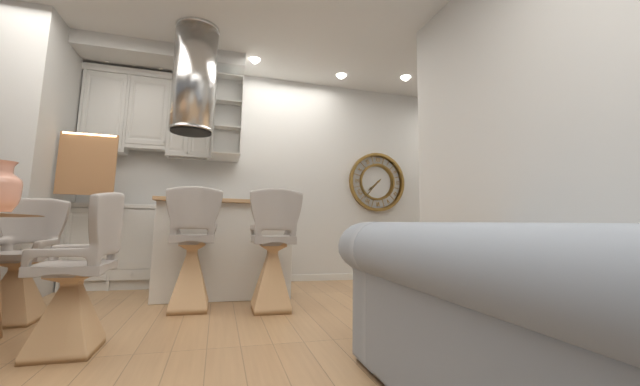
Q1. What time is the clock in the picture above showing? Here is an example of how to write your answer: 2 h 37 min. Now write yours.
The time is 7 h 37 min
